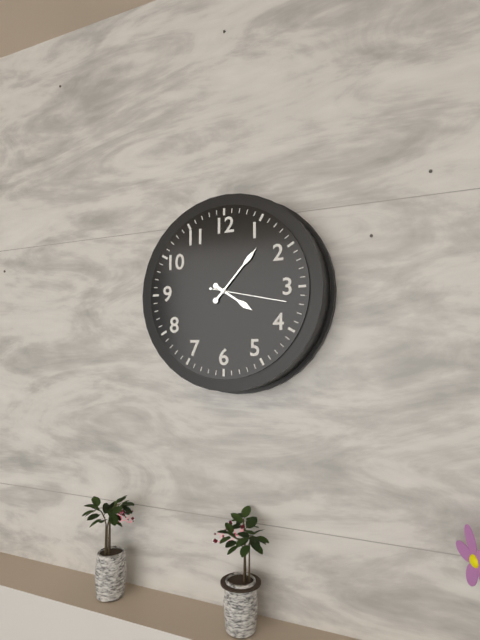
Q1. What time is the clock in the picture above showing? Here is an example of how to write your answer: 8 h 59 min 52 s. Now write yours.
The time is 4 h 07 min 17 s
